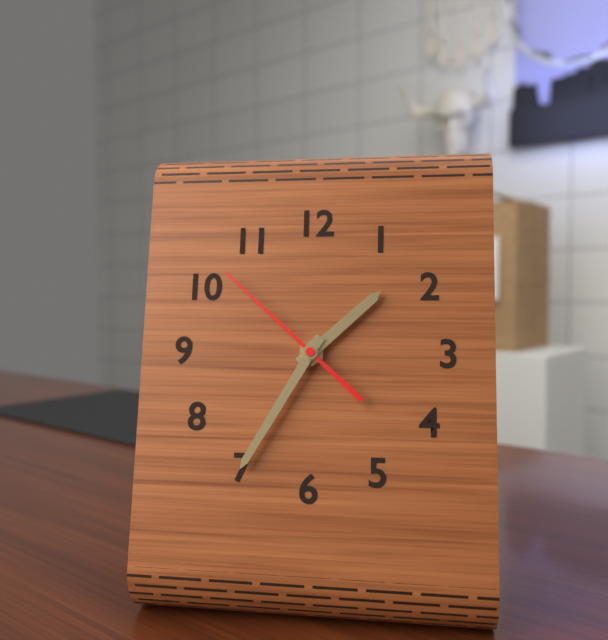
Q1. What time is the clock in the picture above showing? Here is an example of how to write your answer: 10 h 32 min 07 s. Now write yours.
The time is 1 h 35 min 52 s
